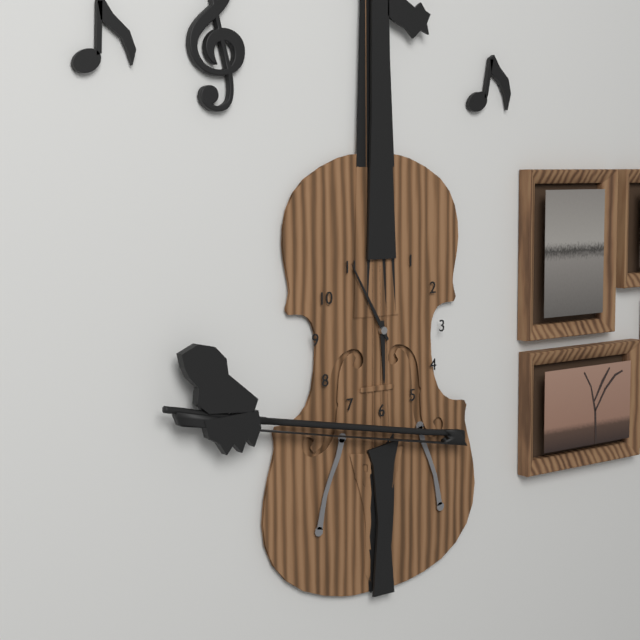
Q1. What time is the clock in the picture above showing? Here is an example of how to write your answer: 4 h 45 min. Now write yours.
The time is 5 h 55 min
